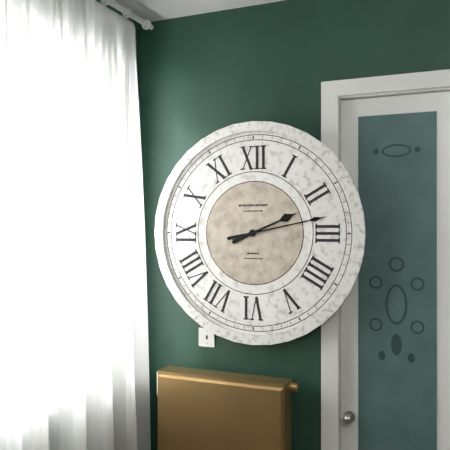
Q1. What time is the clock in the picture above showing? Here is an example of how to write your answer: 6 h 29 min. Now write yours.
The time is 2 h 13 min
